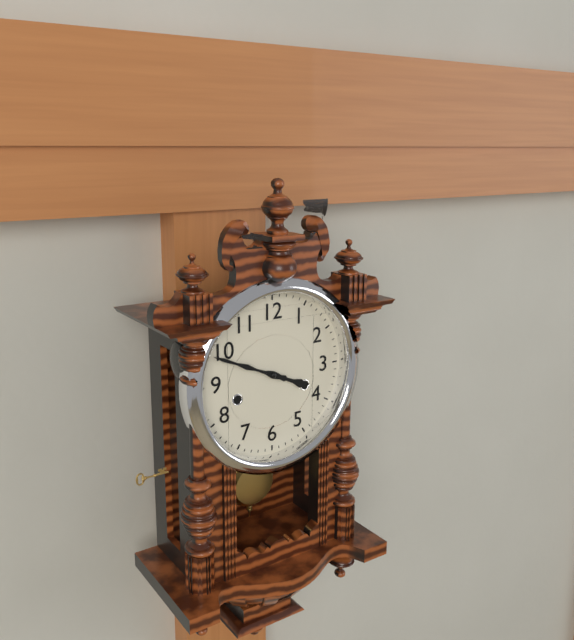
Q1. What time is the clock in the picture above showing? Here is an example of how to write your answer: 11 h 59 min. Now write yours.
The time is 3 h 49 min
